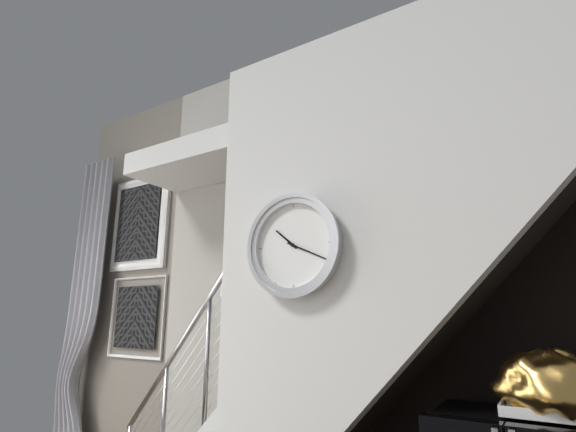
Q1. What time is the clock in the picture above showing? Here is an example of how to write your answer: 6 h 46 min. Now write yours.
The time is 10 h 19 min
